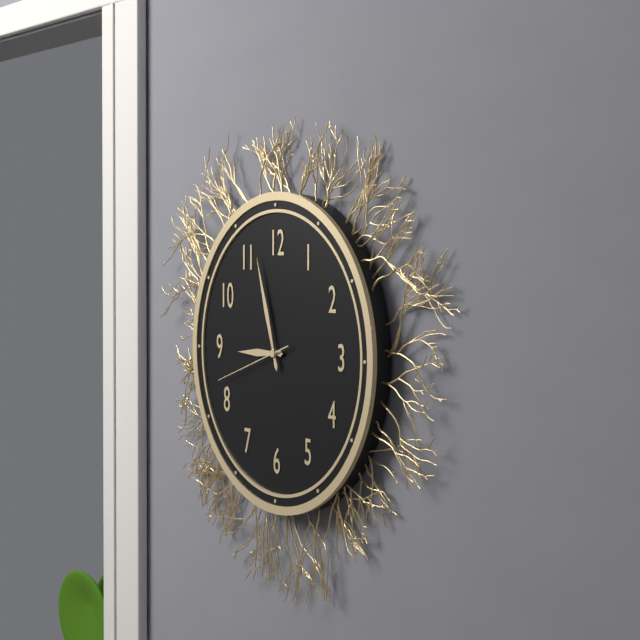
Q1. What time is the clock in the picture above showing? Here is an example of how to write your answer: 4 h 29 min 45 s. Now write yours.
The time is 8 h 57 min 42 s
